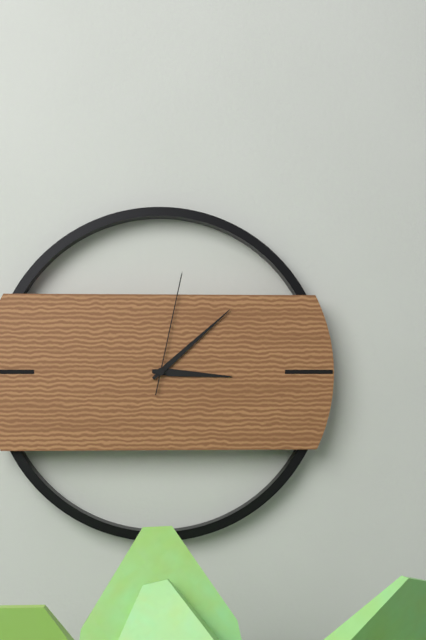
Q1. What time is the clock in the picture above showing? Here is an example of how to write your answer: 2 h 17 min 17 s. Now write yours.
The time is 3 h 08 min 02 s
